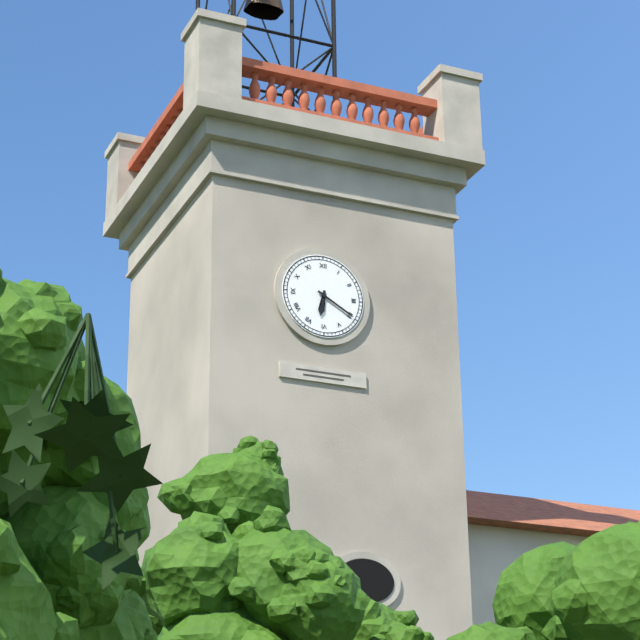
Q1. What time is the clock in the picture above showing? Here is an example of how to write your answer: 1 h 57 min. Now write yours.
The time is 6 h 20 min
